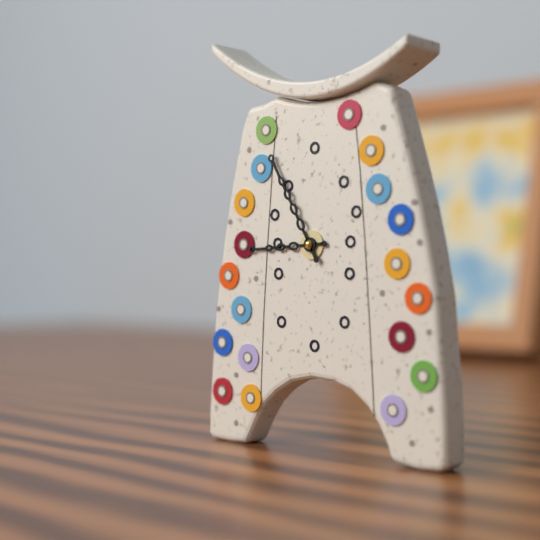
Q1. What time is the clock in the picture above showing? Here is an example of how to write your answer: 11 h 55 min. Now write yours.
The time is 8 h 55 min
